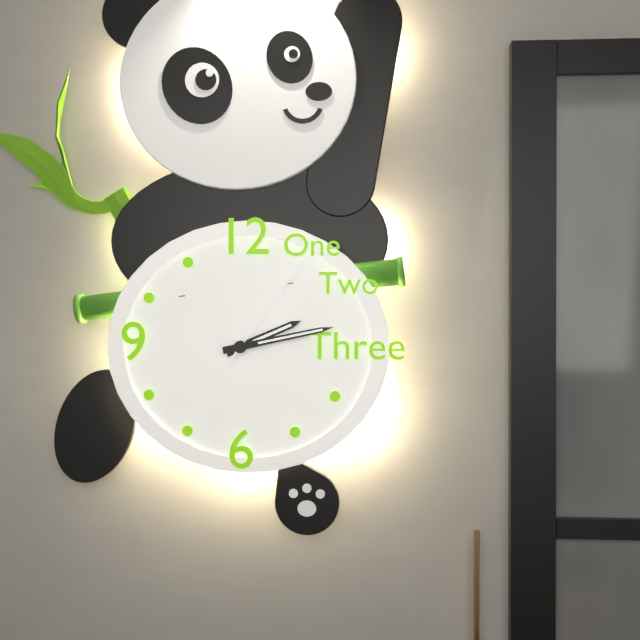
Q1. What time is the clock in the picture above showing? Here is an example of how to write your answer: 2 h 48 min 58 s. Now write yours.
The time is 2 h 13 min 06 s
